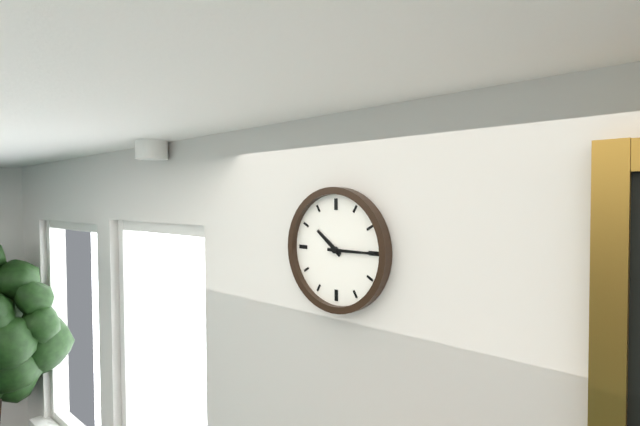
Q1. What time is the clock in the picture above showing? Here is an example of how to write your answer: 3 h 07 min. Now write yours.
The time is 10 h 15 min
